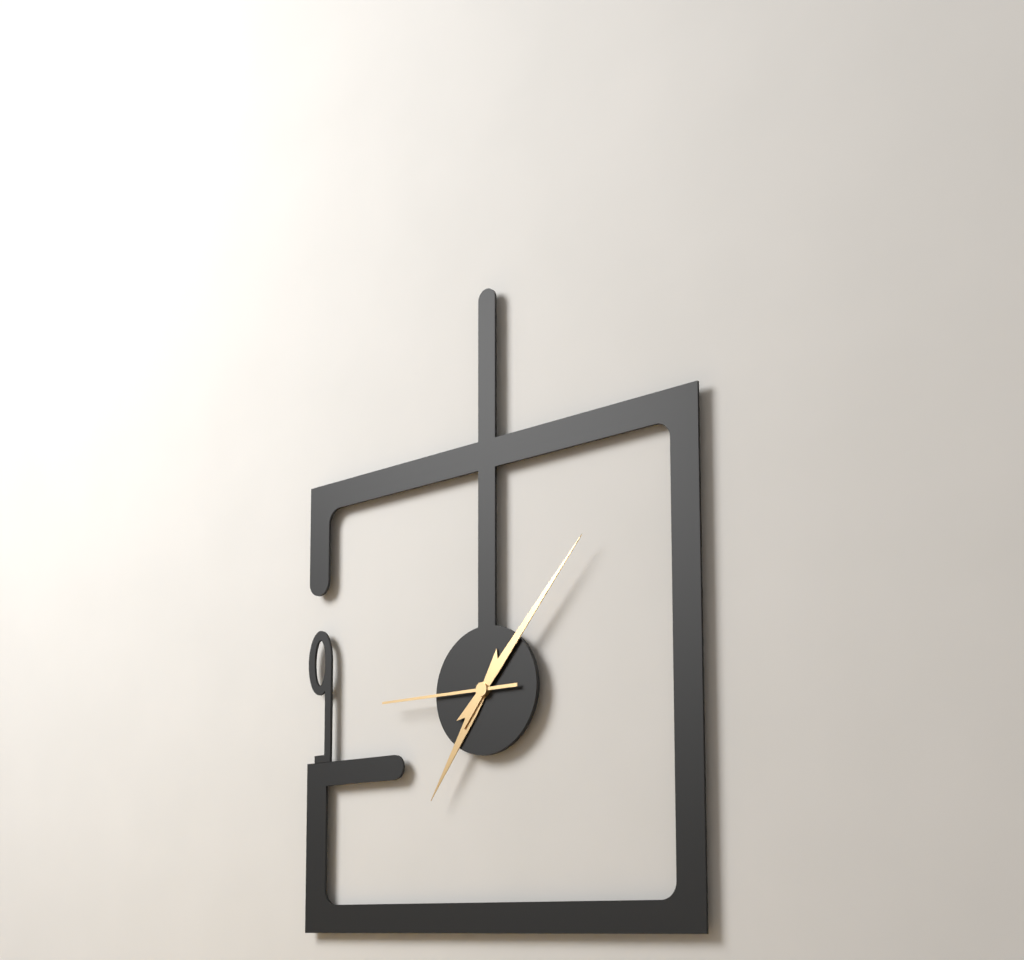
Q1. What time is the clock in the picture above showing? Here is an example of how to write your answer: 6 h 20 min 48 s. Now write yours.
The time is 7 h 07 min 45 s
